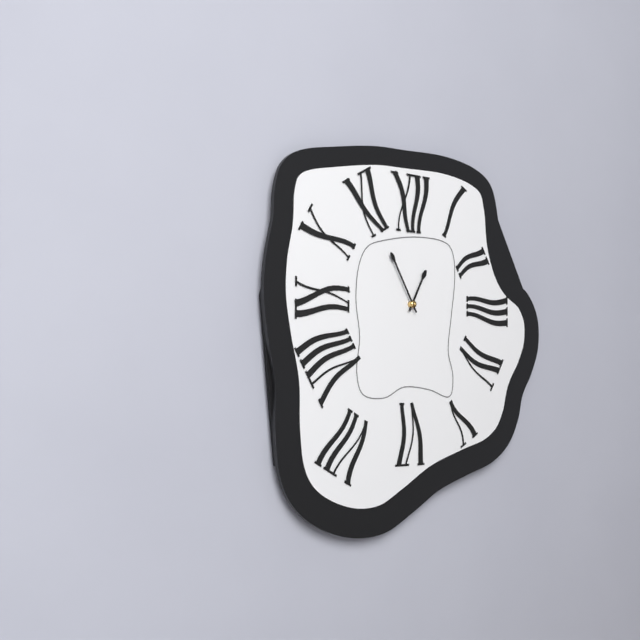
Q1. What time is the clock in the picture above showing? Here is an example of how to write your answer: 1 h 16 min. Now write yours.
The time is 12 h 55 min
